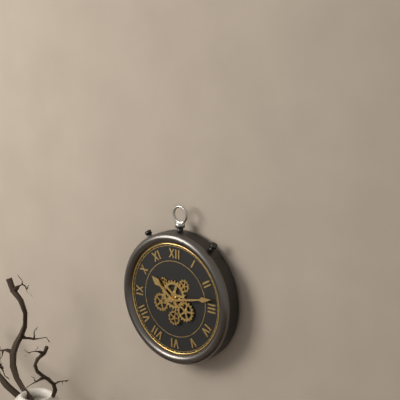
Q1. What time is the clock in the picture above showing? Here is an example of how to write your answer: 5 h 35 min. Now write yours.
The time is 10 h 13 min
